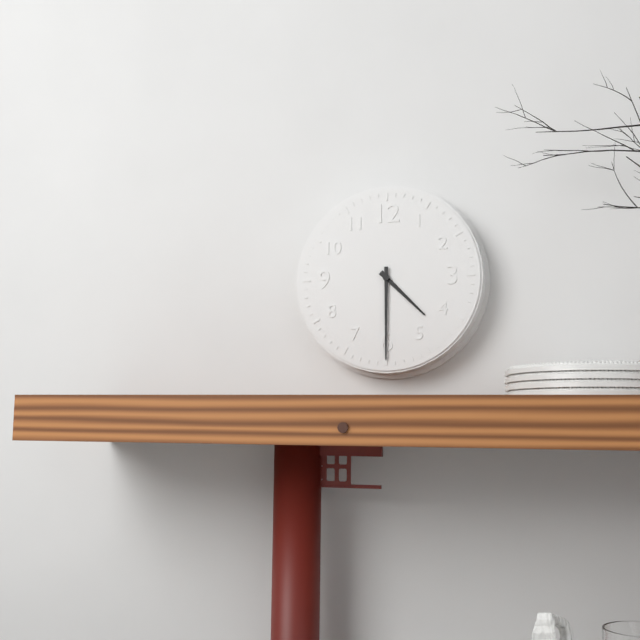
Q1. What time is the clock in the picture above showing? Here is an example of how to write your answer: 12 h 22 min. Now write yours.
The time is 4 h 30 min
